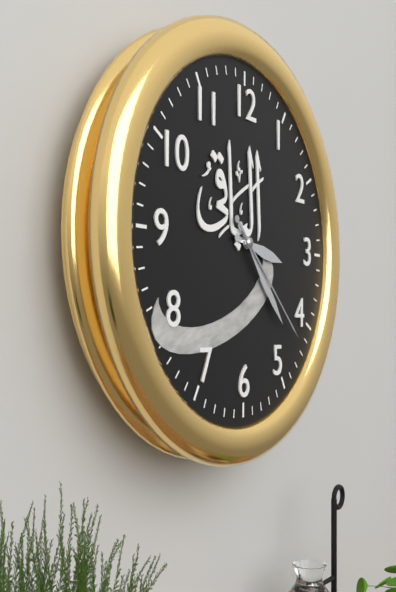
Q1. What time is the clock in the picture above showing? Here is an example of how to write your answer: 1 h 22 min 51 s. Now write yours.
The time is 3 h 23 min 22 s
